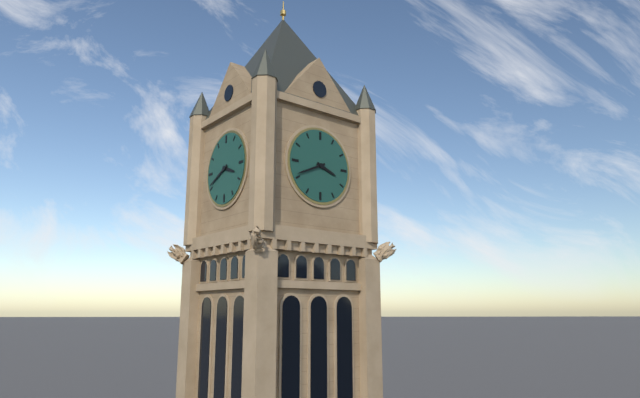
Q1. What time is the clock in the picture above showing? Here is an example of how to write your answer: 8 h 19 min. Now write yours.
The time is 3 h 41 min
